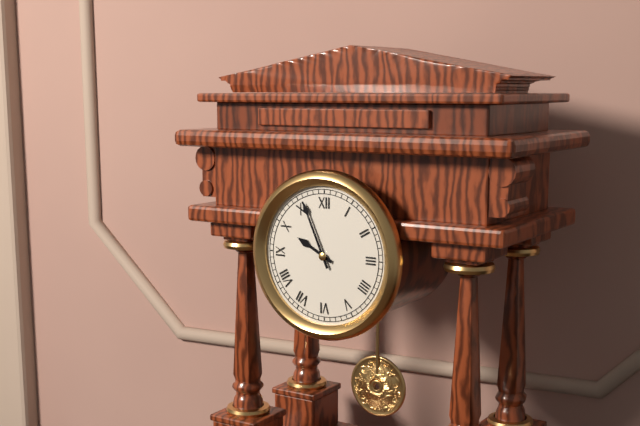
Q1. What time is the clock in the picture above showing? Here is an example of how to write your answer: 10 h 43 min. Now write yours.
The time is 9 h 56 min
